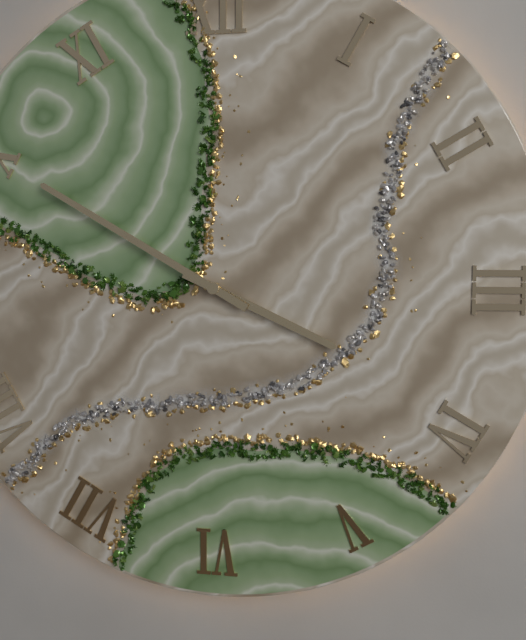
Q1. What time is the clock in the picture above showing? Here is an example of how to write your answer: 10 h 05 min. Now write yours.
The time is 3 h 50 min
